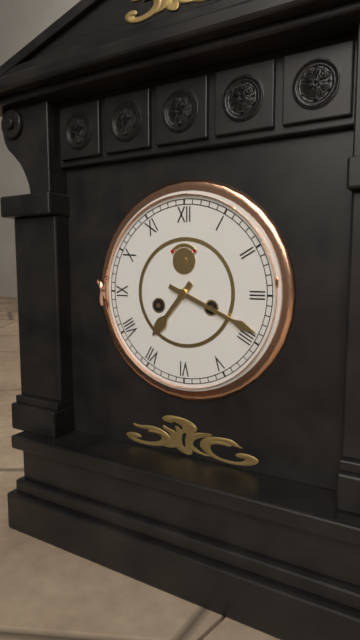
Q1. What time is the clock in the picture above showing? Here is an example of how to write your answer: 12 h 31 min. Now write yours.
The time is 7 h 19 min
